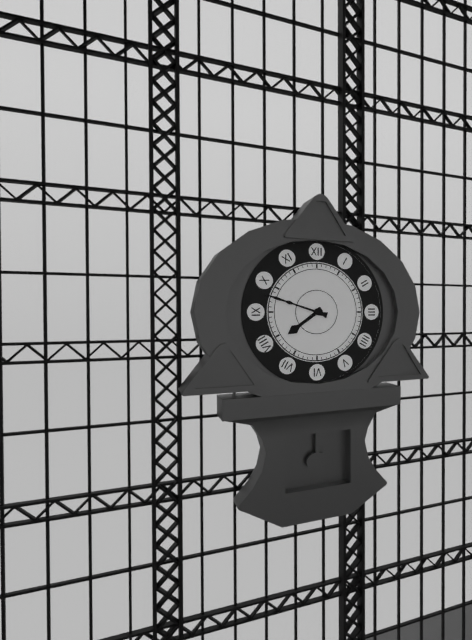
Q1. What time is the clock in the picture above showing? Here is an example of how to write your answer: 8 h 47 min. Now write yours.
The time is 7 h 48 min
